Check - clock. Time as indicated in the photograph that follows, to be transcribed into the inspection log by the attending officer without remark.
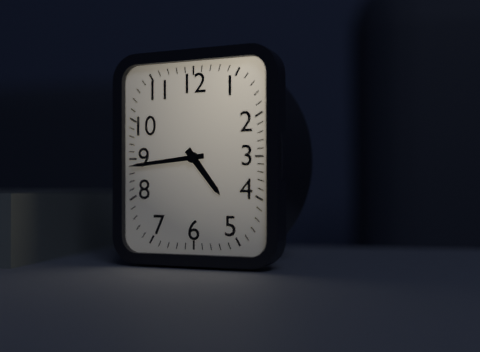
4:44
